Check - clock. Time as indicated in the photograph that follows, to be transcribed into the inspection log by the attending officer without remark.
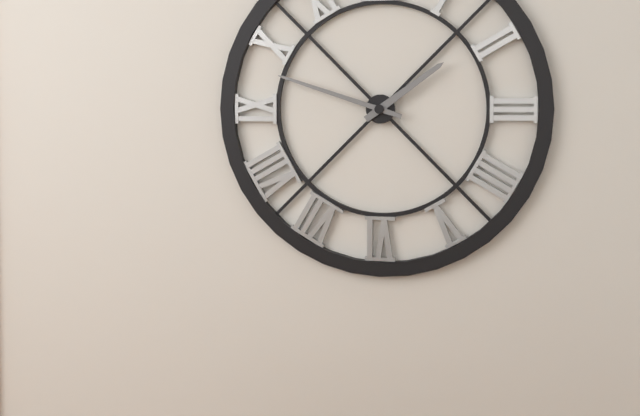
1:48
